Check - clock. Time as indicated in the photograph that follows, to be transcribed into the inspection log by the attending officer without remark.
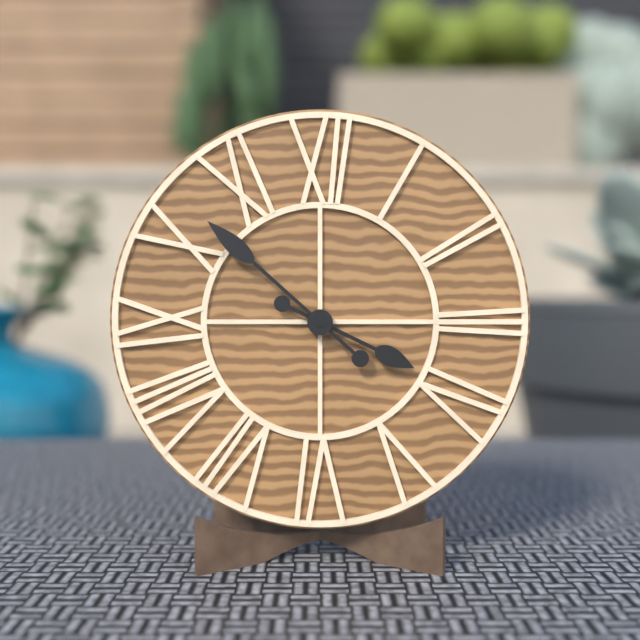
3:52
